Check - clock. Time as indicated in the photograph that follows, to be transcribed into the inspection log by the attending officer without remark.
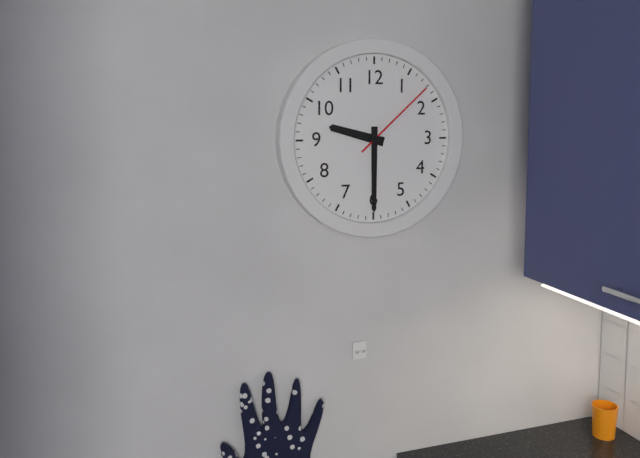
9:30:08
